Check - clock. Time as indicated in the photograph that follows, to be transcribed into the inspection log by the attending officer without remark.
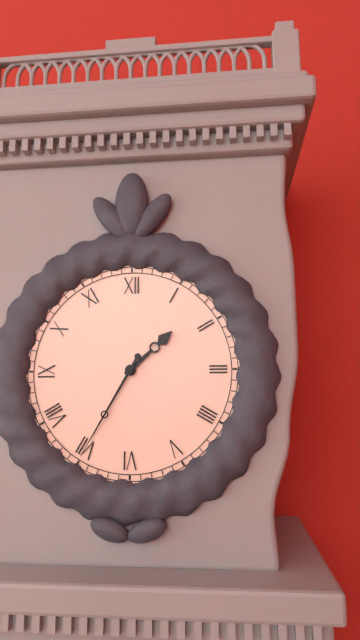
1:35
